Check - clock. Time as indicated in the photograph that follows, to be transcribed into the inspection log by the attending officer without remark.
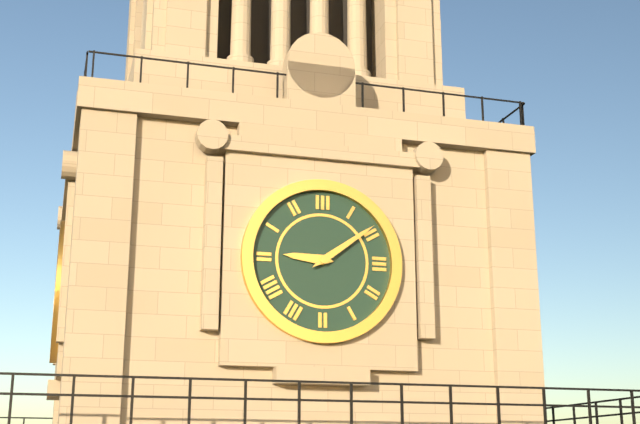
9:09
